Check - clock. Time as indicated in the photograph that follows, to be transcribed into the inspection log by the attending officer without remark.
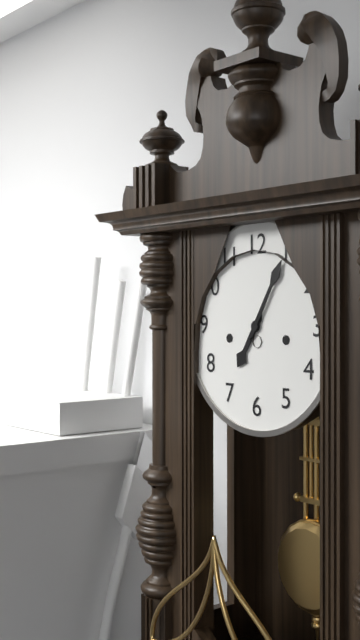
7:05
